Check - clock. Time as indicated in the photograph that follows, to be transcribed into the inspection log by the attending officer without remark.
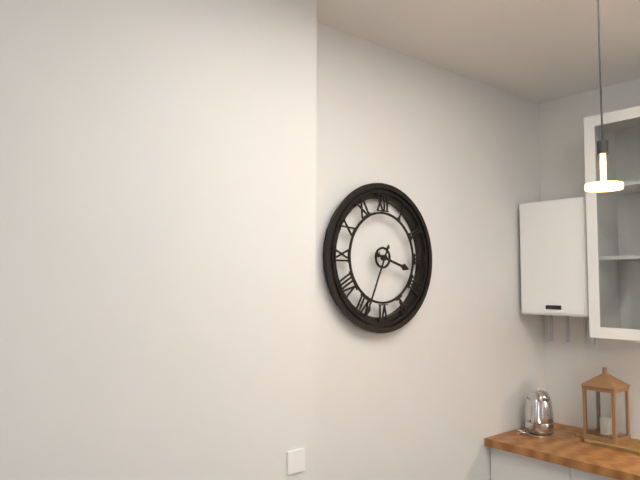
3:34
